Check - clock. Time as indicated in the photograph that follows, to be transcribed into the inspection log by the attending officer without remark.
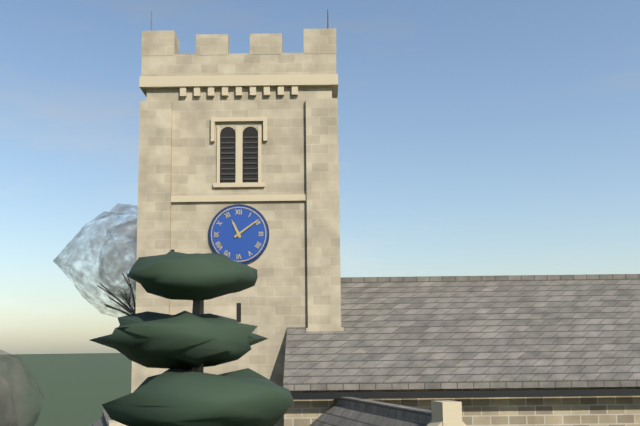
11:09
